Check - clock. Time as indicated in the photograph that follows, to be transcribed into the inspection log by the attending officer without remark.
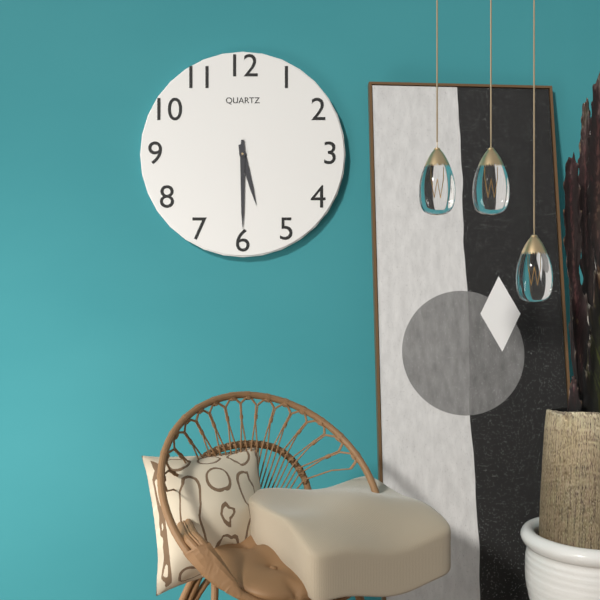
5:30
